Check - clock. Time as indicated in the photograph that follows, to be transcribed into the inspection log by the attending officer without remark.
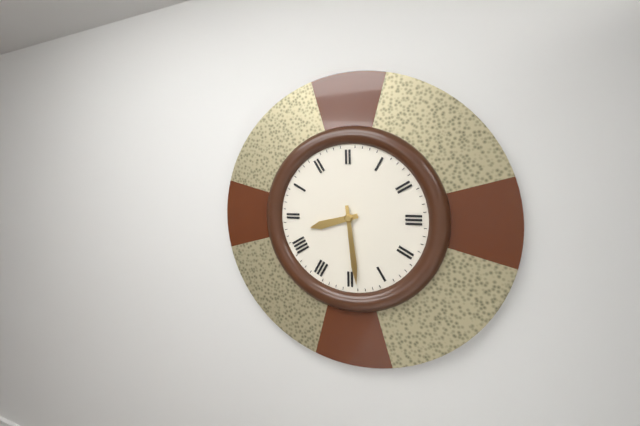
8:29
